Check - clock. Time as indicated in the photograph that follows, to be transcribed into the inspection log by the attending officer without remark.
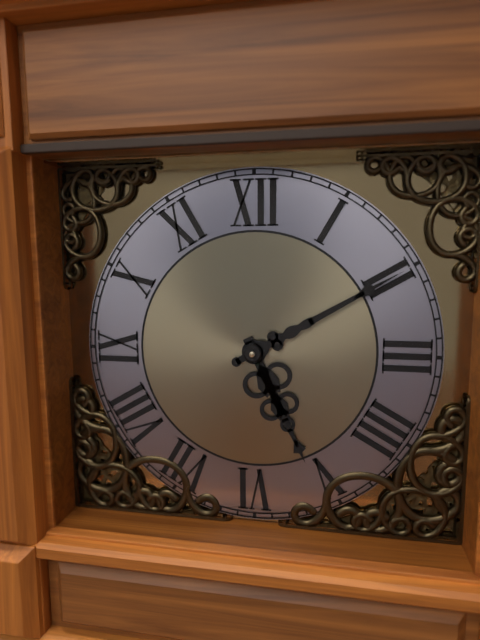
5:10
